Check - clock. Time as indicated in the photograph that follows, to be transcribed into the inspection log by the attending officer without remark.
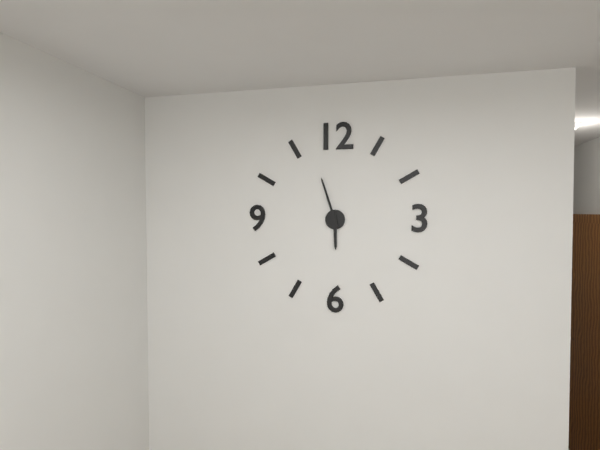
5:57
